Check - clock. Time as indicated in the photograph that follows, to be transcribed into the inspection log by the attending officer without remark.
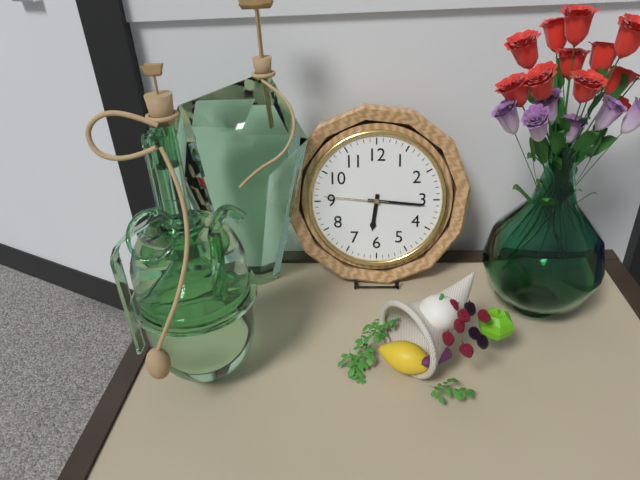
6:16:46
